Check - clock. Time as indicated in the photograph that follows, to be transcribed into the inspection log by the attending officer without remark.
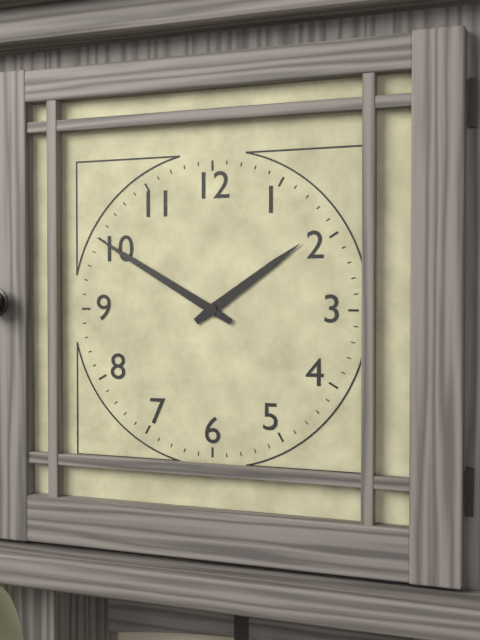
1:50
